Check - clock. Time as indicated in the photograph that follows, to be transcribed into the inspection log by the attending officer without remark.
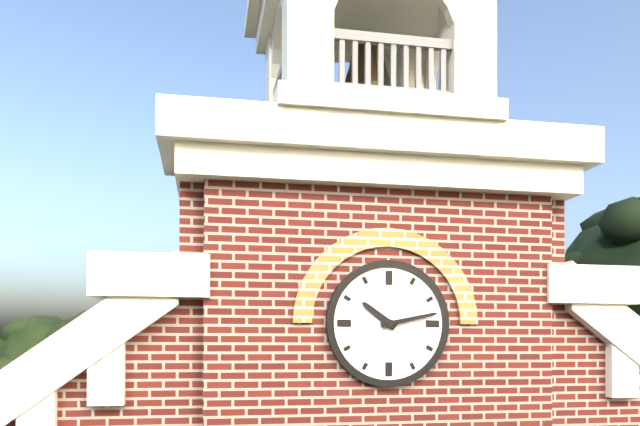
10:13
